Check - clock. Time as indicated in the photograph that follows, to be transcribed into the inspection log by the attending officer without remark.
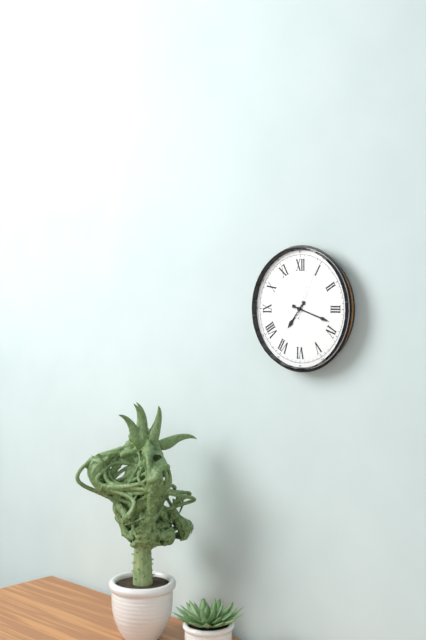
7:18:04
